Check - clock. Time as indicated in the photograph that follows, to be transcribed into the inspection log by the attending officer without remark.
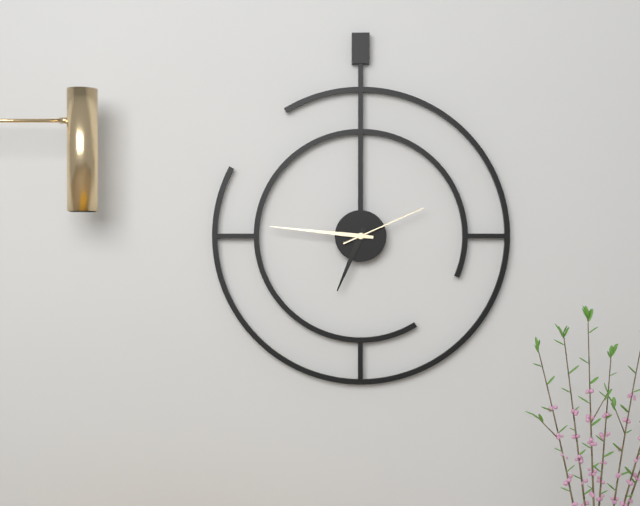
6:46:11
